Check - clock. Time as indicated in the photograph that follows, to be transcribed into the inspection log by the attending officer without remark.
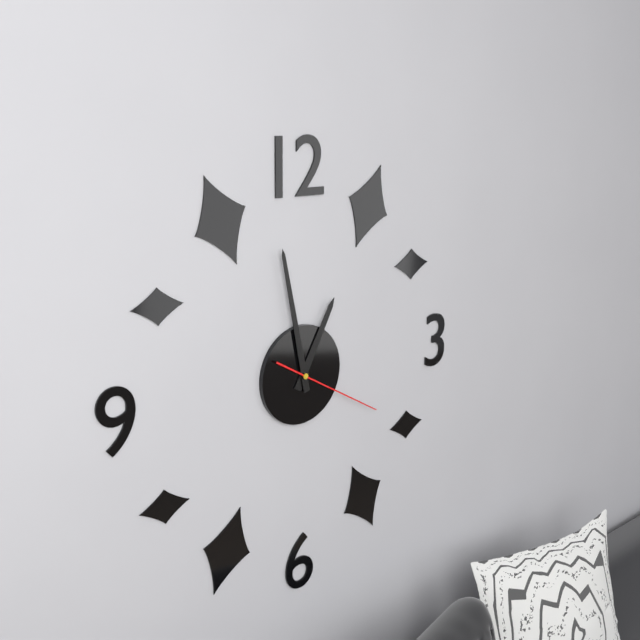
12:58:20
